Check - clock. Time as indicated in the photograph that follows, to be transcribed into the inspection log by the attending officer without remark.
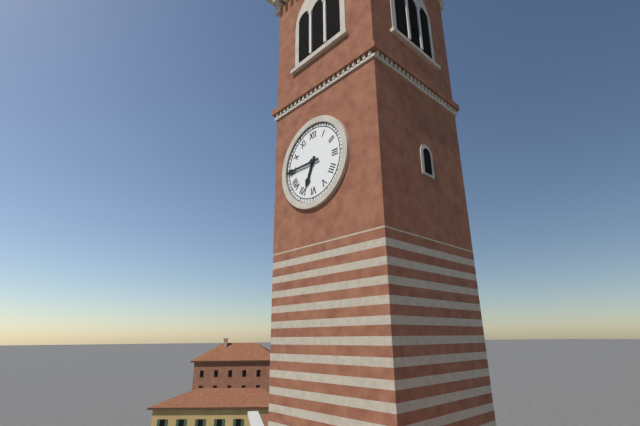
6:45
